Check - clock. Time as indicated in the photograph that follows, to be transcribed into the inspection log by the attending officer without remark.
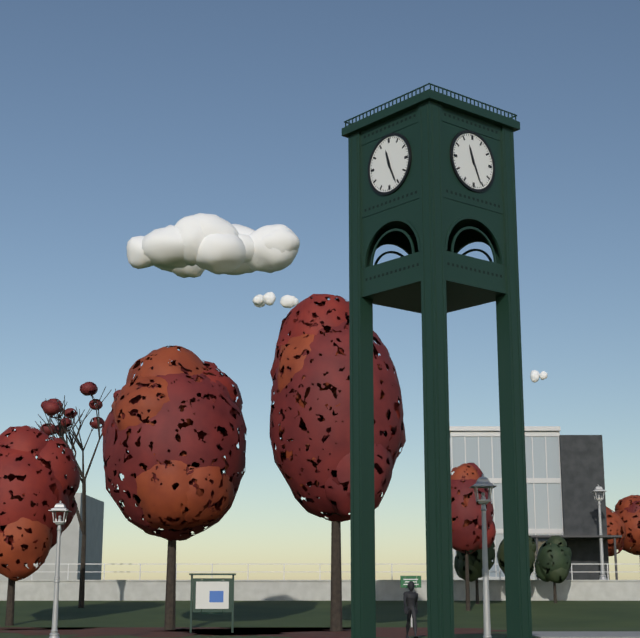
11:26
